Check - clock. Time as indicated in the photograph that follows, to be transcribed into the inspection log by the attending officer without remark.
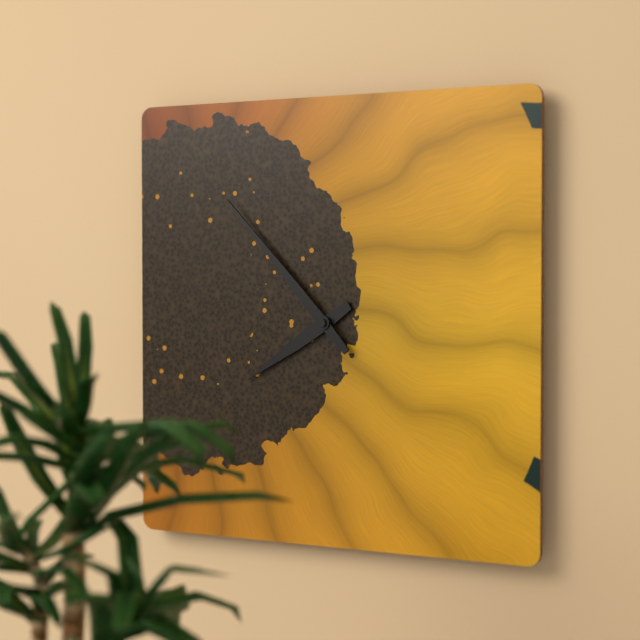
7:53
